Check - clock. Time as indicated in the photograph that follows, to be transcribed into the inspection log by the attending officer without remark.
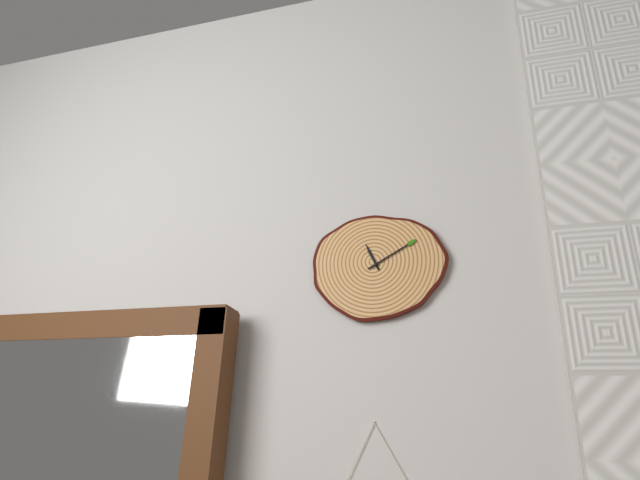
11:10
